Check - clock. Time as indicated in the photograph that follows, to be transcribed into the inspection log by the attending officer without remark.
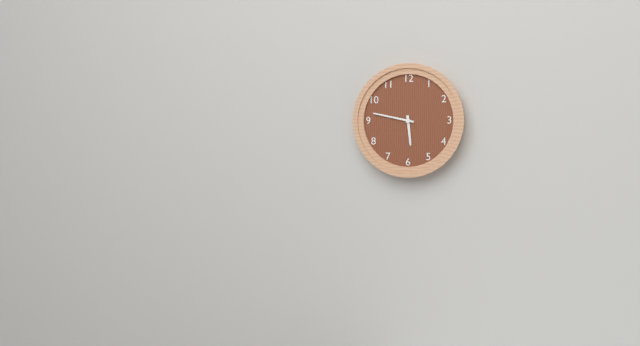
5:47
